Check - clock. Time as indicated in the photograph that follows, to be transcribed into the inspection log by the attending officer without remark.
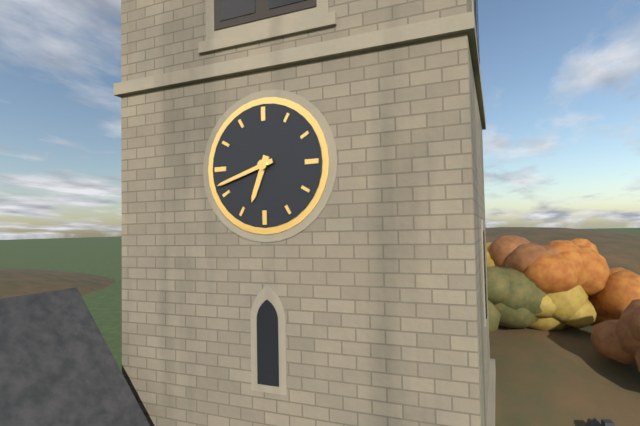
6:42
